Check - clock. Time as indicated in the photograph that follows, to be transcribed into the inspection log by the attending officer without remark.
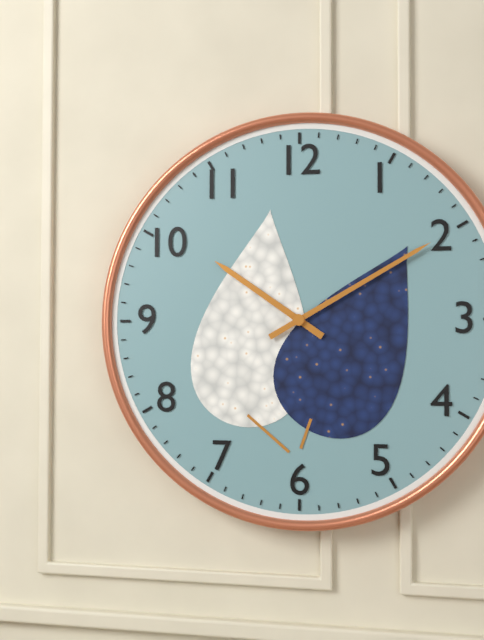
10:10
